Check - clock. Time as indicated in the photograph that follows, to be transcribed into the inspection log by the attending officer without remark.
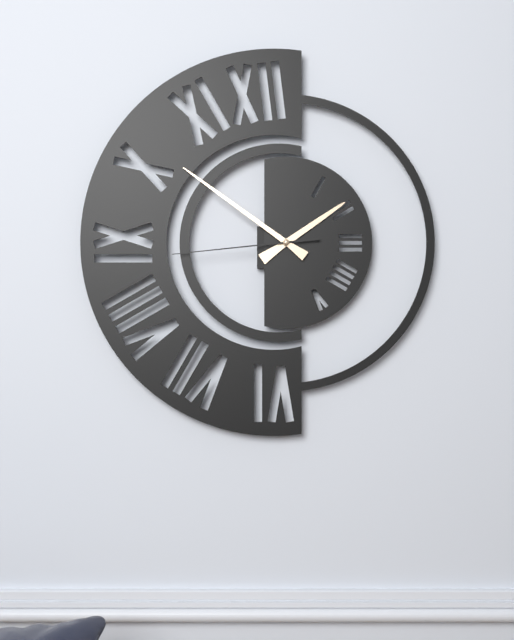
1:51:44
